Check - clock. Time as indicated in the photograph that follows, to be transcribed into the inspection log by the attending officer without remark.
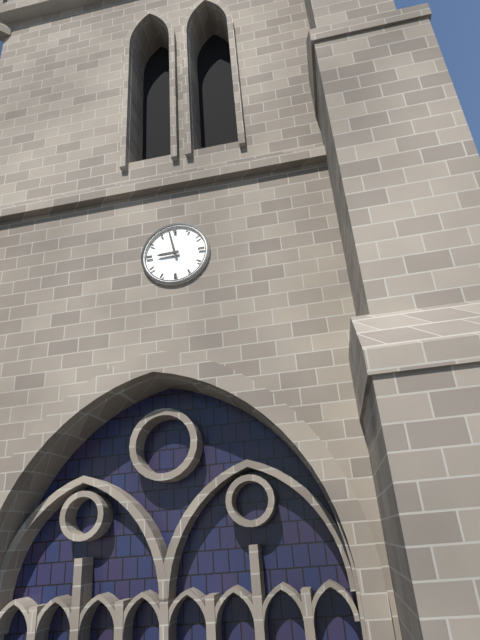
8:58
